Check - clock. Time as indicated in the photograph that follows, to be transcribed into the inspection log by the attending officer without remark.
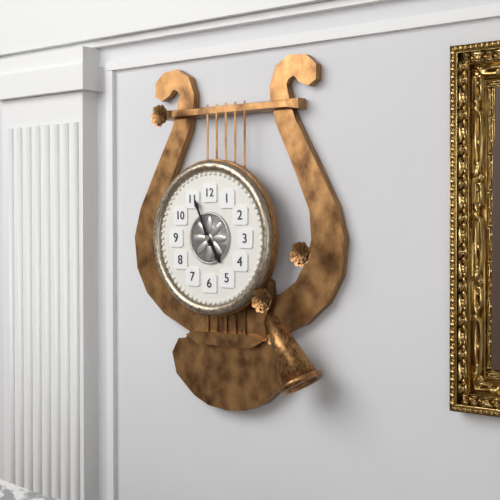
4:56
